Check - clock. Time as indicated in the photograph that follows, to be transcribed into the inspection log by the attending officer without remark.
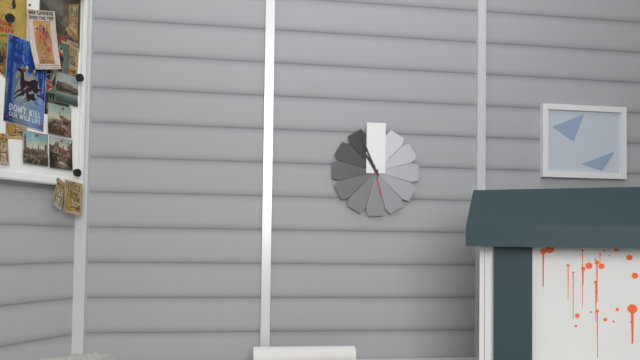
10:56
